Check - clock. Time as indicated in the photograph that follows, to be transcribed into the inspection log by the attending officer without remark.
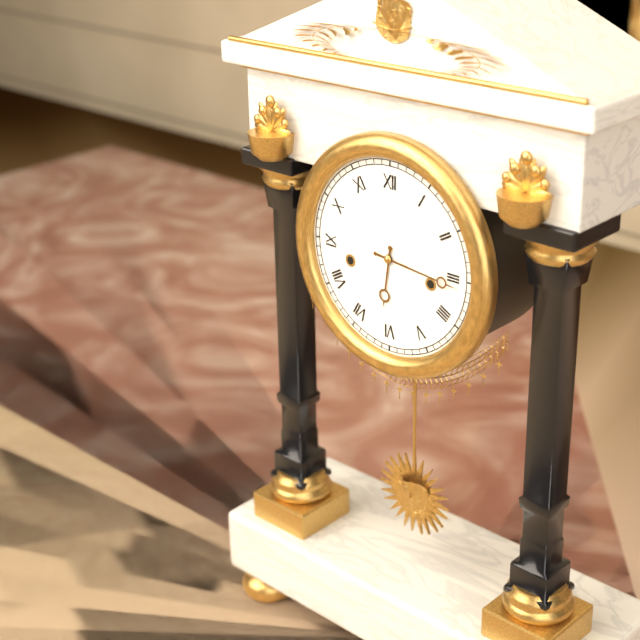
6:16
